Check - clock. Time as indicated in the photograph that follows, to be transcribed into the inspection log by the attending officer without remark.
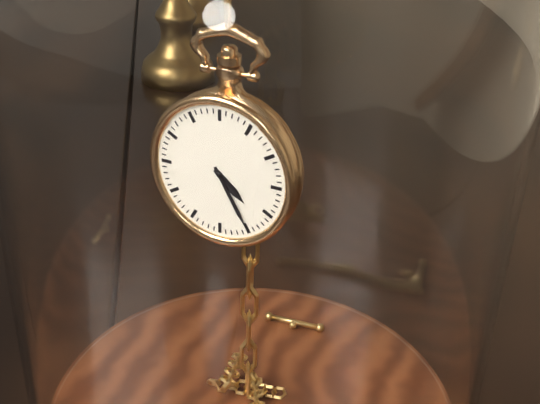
4:25
